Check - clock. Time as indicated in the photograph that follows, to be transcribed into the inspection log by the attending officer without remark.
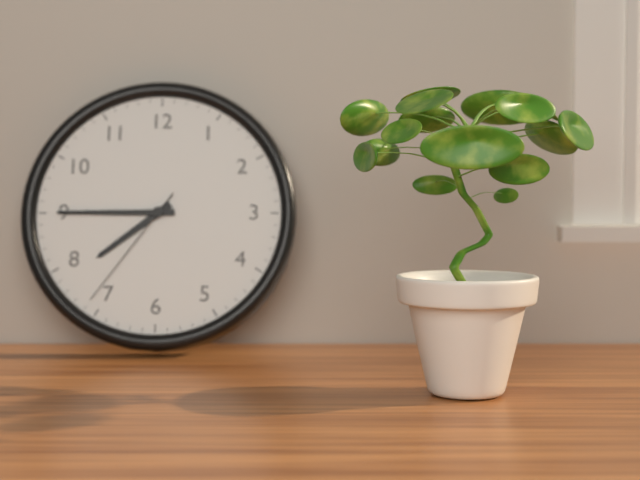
7:45:36
